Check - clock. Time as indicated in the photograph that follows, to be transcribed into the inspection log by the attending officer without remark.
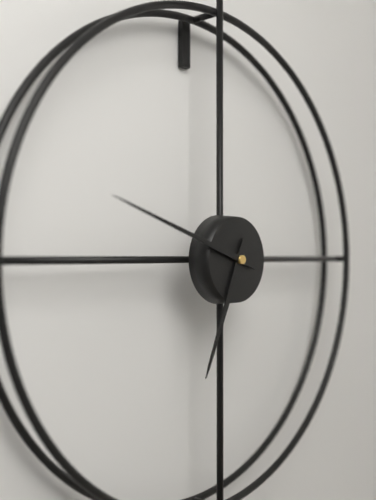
6:48
